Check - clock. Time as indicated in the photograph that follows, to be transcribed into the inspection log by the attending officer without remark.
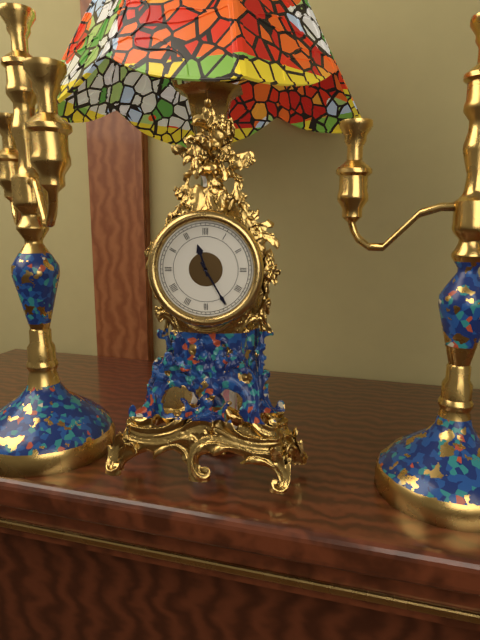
11:25
